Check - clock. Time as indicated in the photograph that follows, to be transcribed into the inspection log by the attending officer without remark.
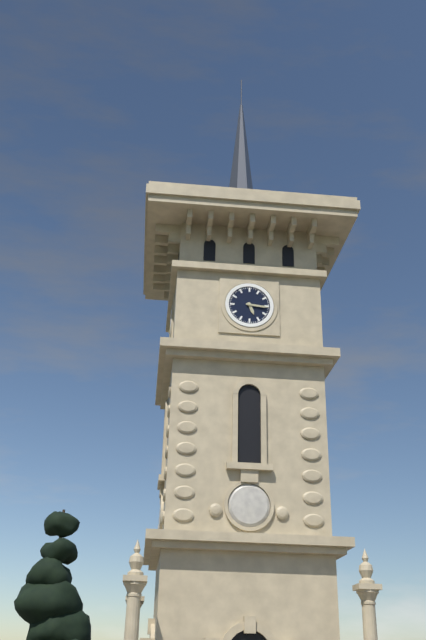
5:16
